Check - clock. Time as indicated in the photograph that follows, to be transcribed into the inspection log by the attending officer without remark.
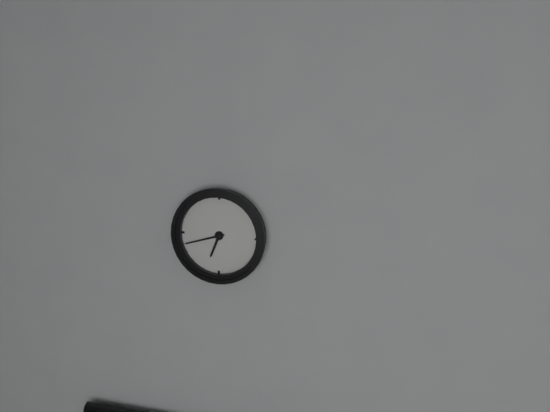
6:42
